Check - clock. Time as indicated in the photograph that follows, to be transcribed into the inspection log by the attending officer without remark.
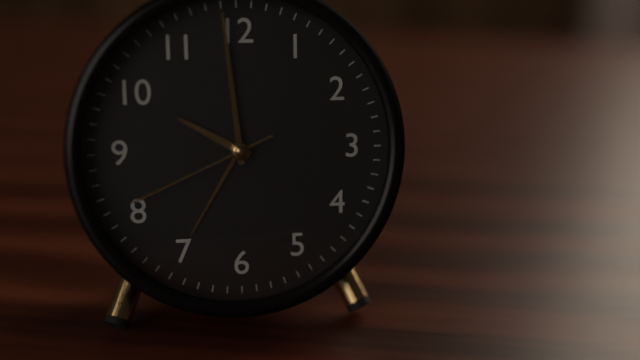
9:59:41
